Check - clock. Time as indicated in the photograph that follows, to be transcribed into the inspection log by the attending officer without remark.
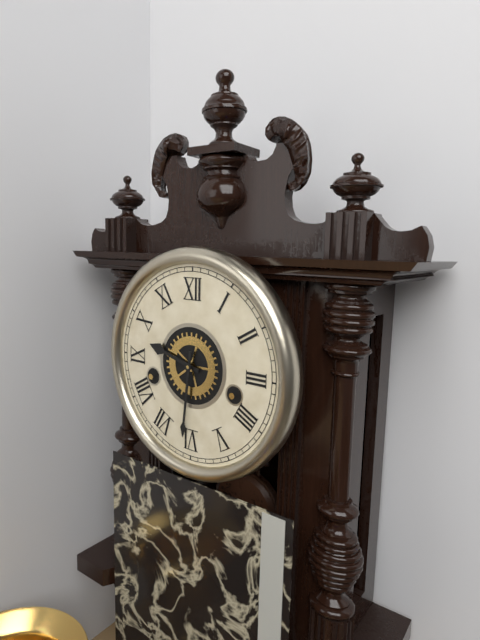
9:31
